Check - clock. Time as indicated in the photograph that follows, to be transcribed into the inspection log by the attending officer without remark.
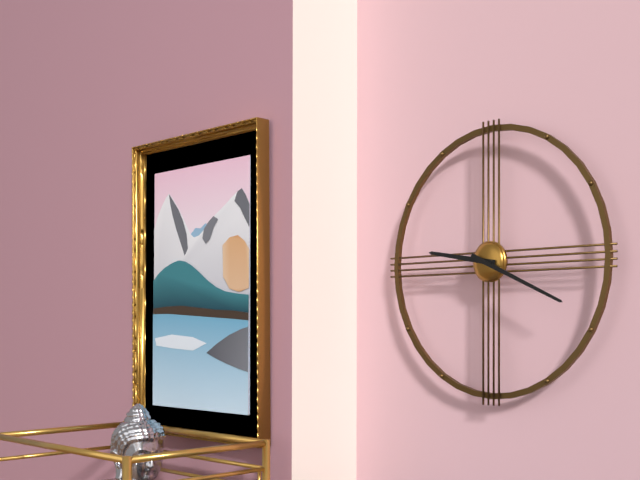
9:19
